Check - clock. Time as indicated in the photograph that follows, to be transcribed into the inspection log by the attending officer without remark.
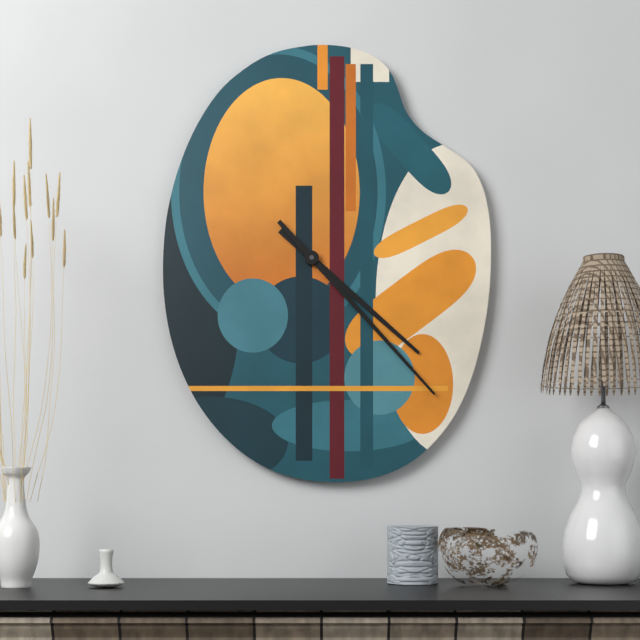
4:23
